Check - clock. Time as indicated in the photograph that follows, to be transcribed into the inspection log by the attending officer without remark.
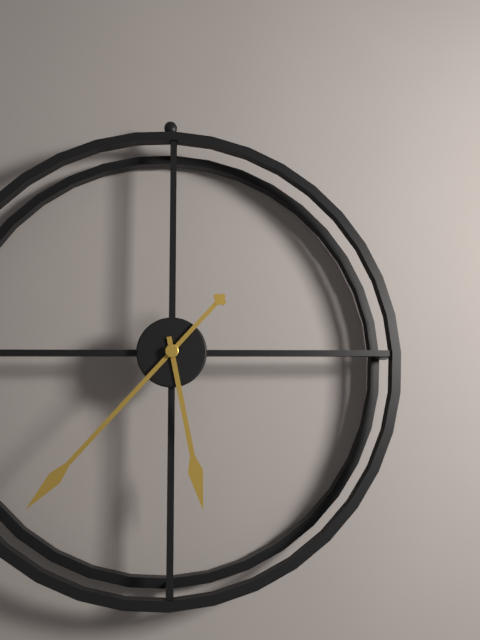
5:37
